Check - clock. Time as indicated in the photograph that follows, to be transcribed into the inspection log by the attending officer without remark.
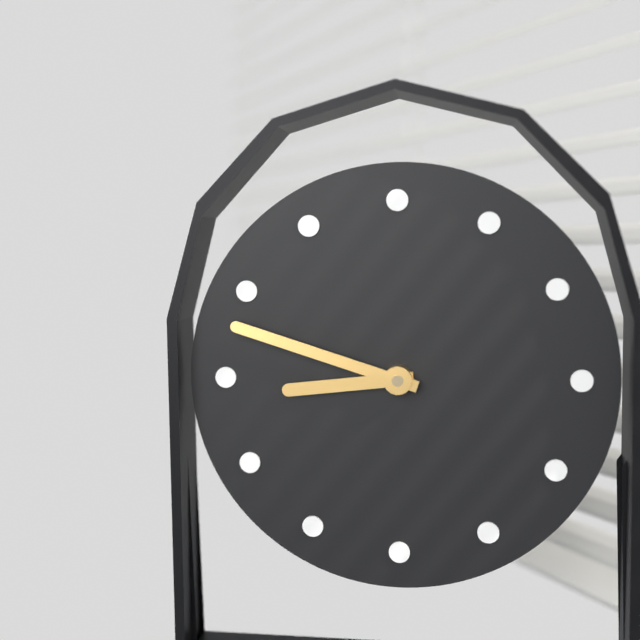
8:48
